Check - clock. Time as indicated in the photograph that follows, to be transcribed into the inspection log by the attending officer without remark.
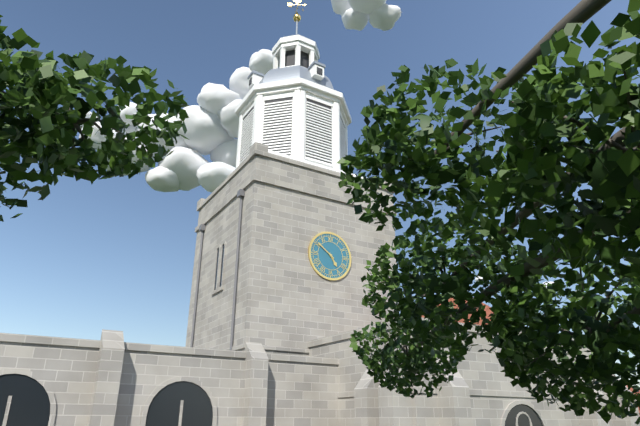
4:51
